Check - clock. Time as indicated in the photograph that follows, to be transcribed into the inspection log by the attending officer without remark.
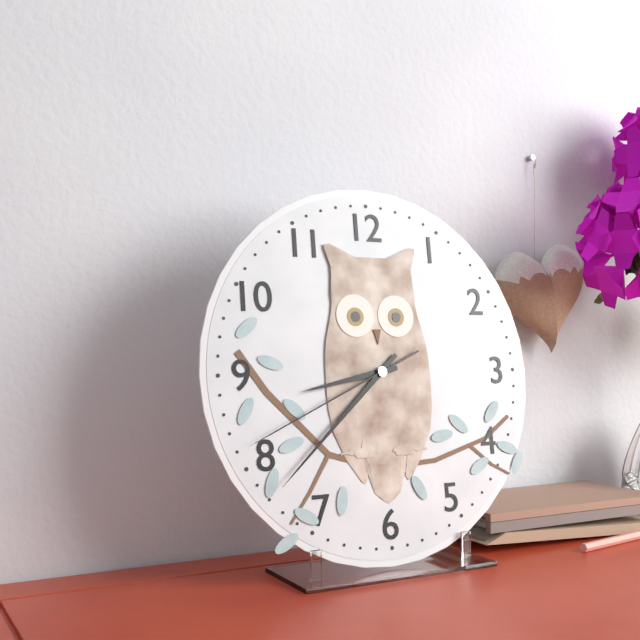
8:38:41
